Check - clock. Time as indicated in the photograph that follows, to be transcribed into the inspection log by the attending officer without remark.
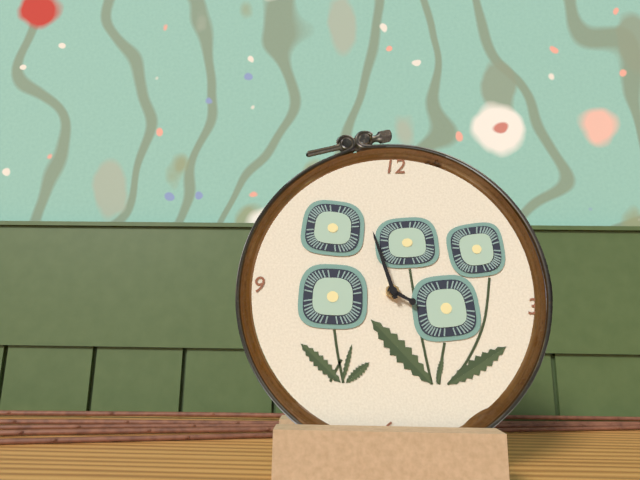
3:57
